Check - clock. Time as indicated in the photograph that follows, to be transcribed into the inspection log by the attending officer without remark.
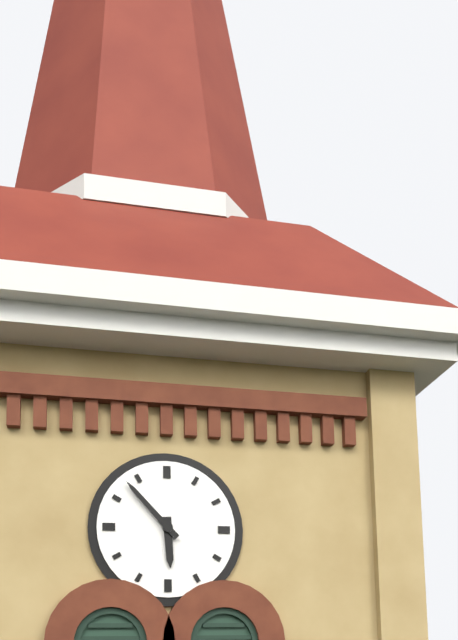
5:53
